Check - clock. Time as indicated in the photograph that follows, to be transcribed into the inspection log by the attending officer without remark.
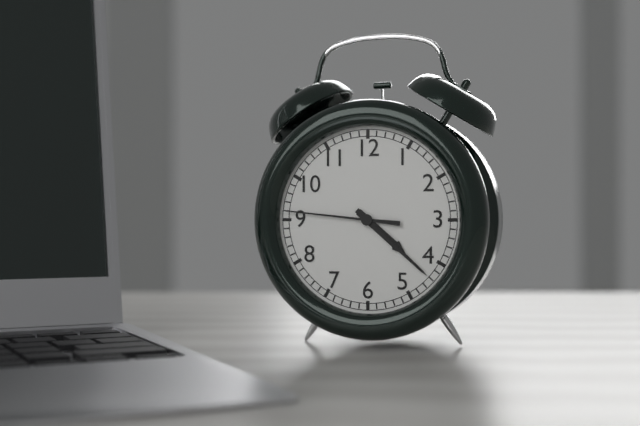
4:22:46
